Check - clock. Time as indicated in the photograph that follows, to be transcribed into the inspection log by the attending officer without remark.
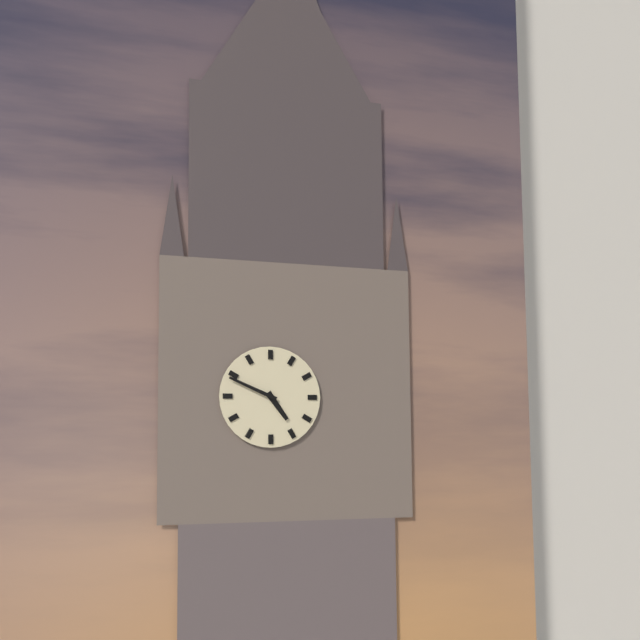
4:49
